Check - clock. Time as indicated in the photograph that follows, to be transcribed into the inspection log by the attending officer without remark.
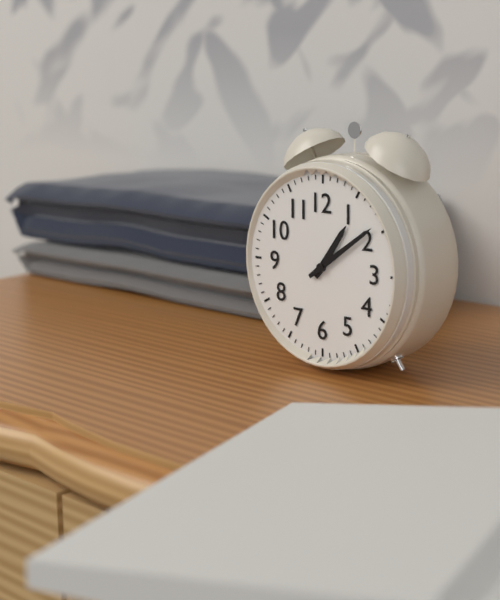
1:09
